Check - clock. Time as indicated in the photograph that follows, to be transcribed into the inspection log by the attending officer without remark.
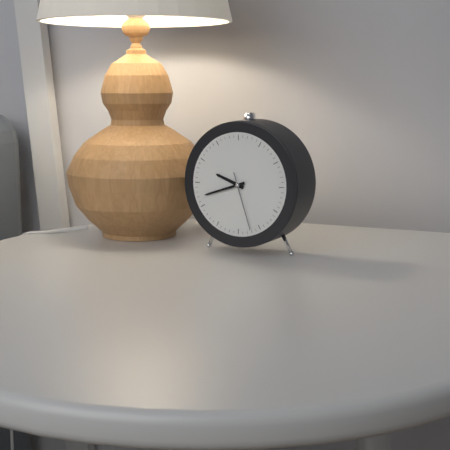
9:42:27
